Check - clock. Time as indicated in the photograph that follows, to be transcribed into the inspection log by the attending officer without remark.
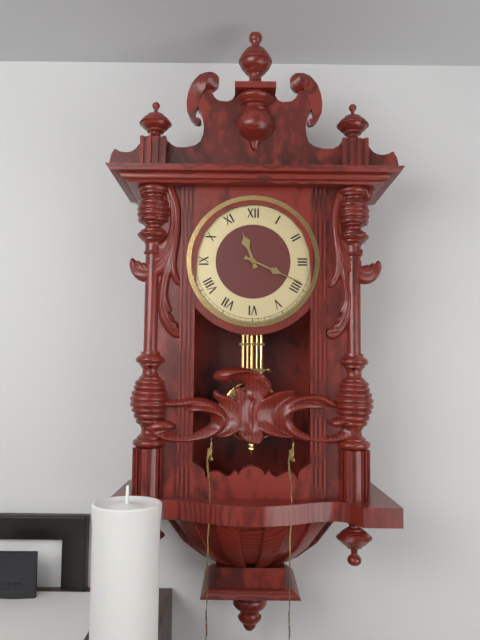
11:19
